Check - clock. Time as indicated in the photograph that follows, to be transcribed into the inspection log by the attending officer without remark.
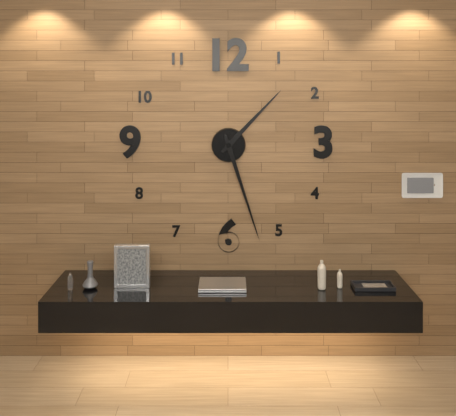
1:27
